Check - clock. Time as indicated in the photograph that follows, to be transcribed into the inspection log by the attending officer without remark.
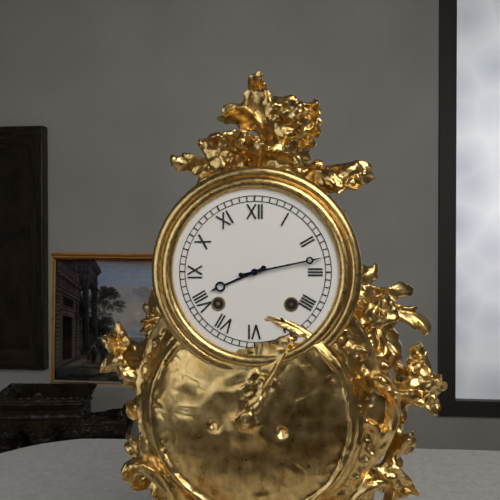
8:13
